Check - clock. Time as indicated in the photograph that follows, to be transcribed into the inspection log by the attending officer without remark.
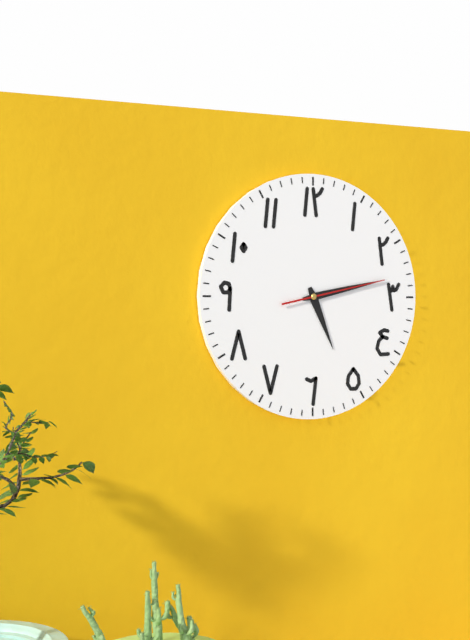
5:13:13
